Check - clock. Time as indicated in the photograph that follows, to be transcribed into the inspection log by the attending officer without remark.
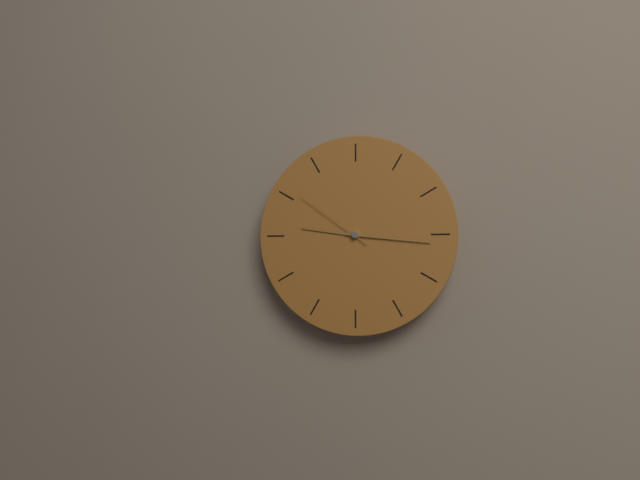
9:16:51
